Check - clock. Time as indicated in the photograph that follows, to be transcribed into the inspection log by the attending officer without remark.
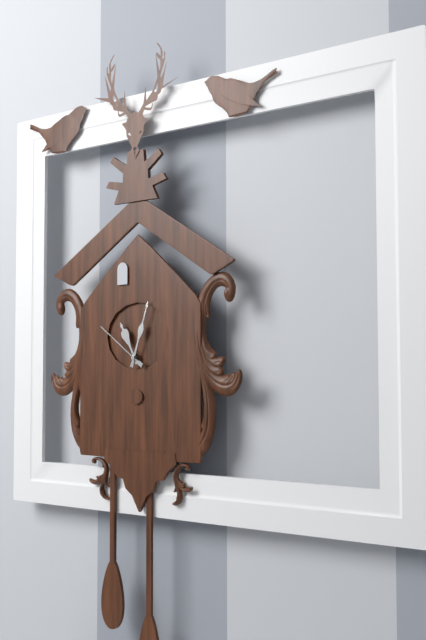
11:03:51
